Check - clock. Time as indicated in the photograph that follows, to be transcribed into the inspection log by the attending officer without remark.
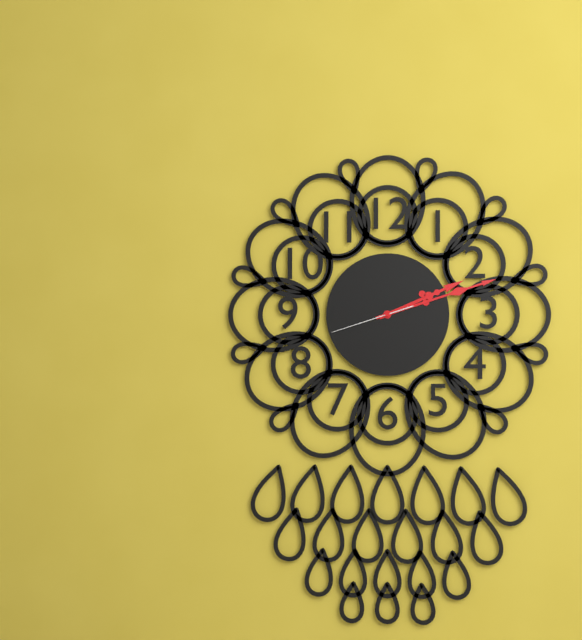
2:12:42
